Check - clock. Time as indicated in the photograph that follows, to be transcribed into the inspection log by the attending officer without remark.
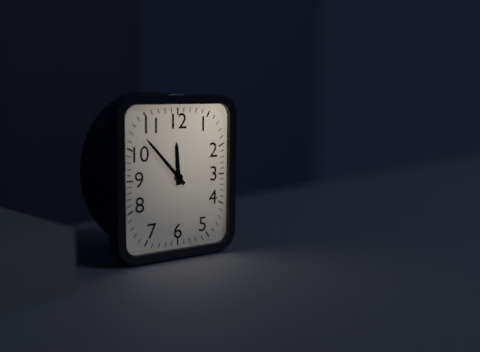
11:53
